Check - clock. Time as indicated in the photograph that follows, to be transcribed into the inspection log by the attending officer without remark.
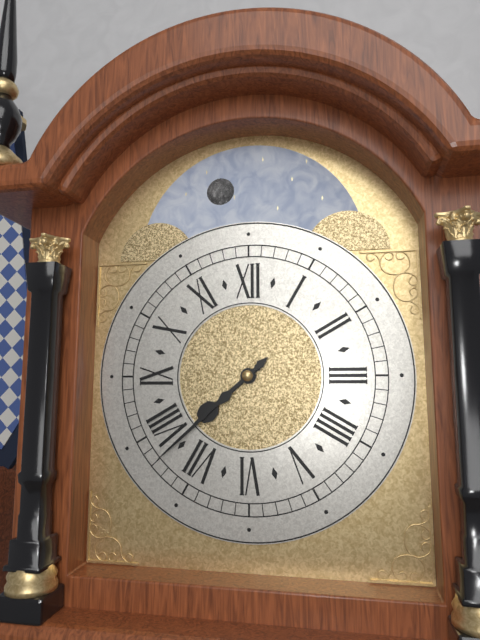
7:38
